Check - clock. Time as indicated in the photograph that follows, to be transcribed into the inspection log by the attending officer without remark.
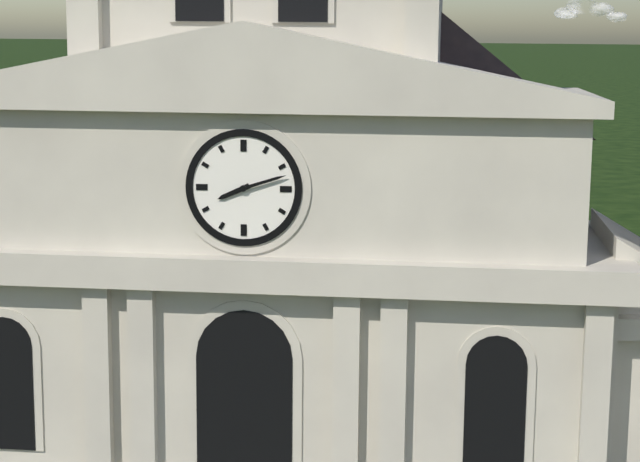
8:12
